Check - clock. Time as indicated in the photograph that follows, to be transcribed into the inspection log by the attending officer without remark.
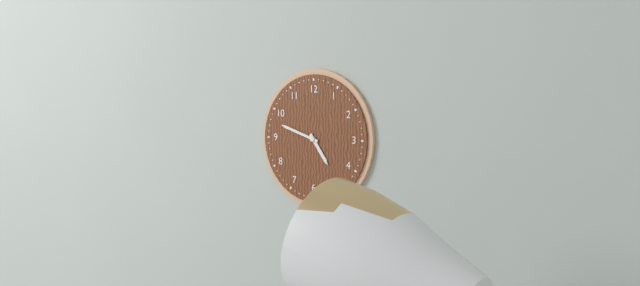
4:48
